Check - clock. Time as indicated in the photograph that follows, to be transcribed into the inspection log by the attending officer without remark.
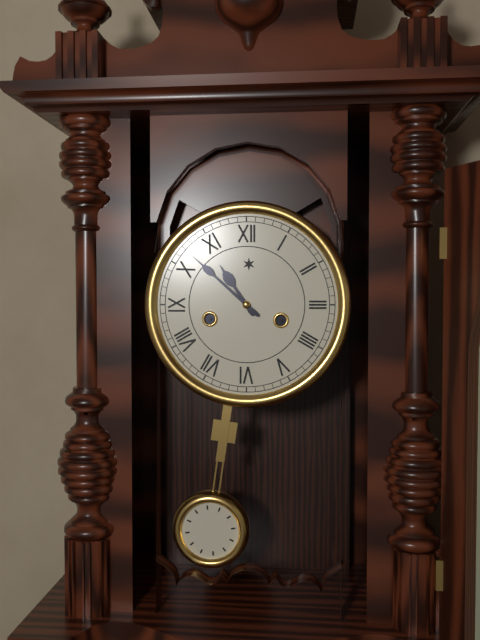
10:52
